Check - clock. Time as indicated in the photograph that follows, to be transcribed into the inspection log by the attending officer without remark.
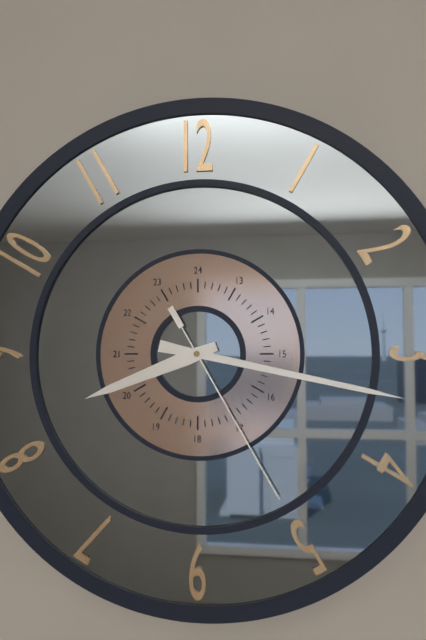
8:17:25
